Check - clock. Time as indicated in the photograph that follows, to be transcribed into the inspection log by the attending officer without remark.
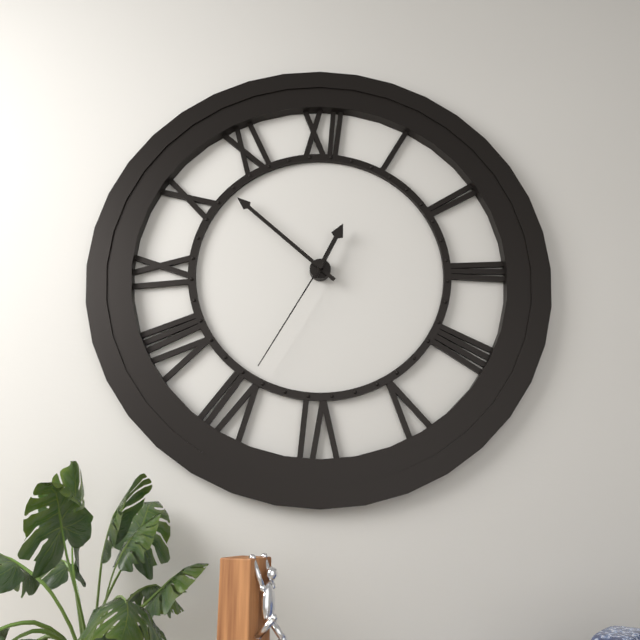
12:52:35
